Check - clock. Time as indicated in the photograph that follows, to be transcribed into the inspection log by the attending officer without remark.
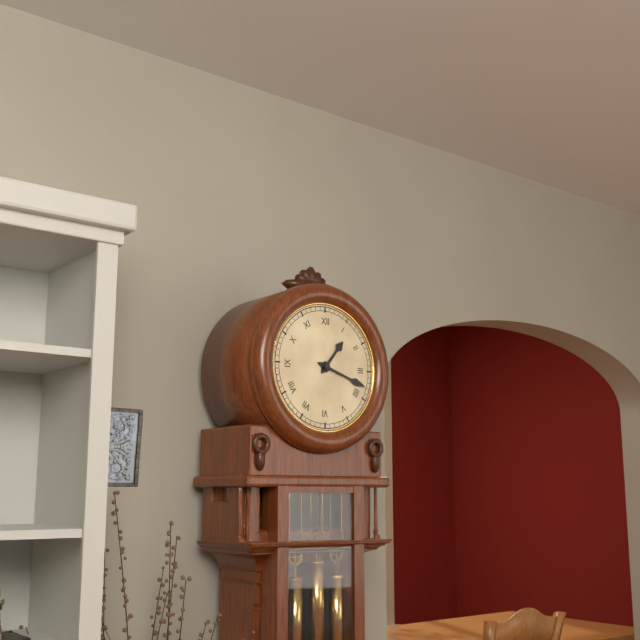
1:18
